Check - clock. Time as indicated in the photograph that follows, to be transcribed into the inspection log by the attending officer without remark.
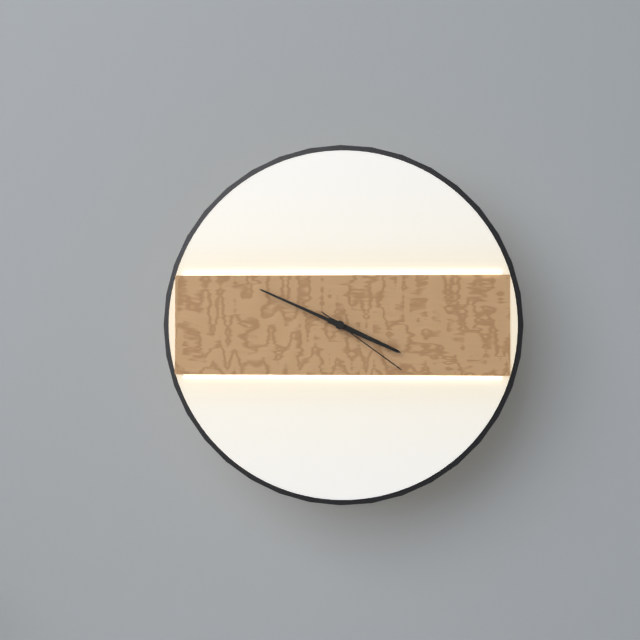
3:49:21
